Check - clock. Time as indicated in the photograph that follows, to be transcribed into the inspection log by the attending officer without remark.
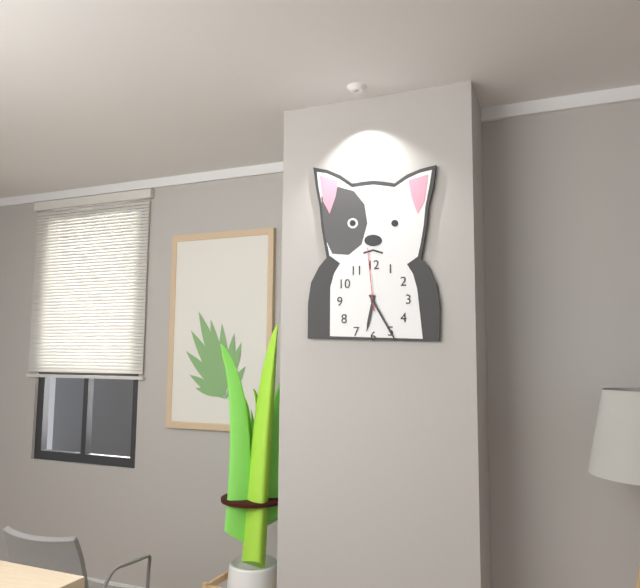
6:25:59
